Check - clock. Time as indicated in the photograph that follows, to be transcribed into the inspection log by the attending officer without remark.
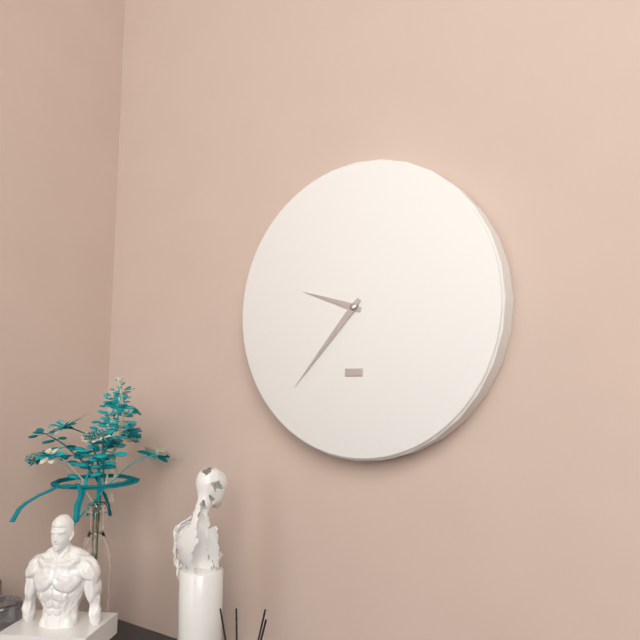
9:37
